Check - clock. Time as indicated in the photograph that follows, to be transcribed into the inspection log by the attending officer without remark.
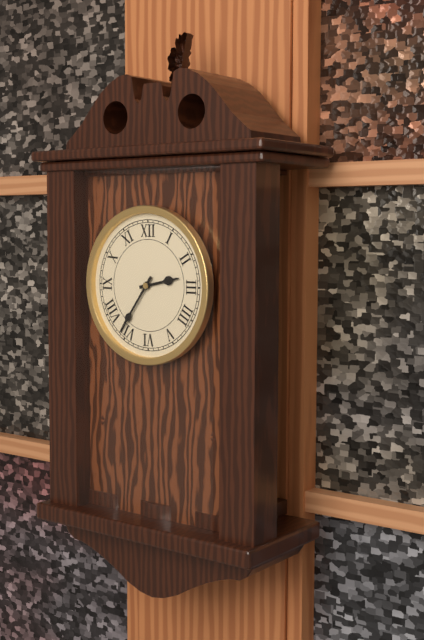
2:36
